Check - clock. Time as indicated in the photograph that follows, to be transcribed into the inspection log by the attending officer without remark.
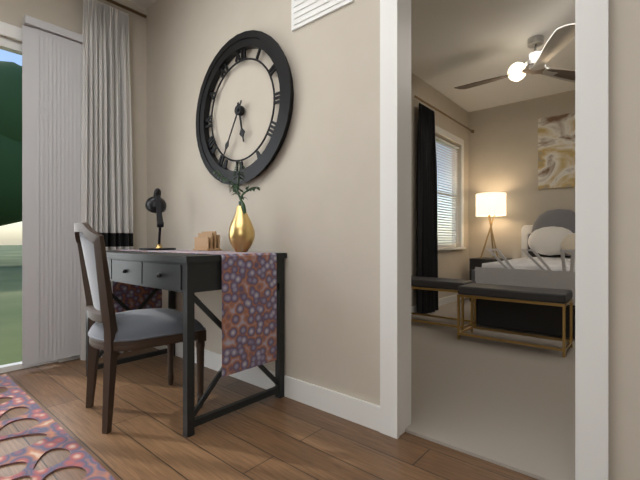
5:35
